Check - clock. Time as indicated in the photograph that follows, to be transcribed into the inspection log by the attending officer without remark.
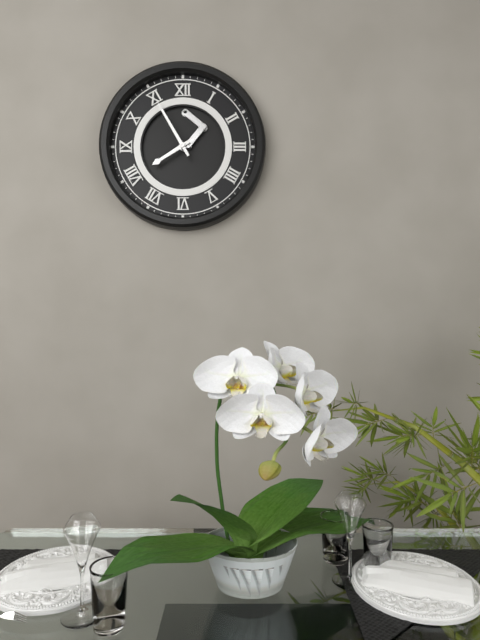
7:55
